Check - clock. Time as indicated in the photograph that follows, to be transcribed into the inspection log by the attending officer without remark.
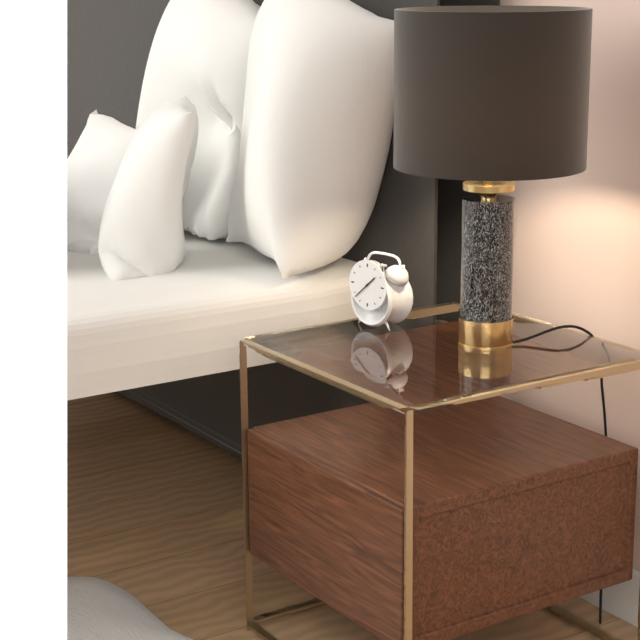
1:38
